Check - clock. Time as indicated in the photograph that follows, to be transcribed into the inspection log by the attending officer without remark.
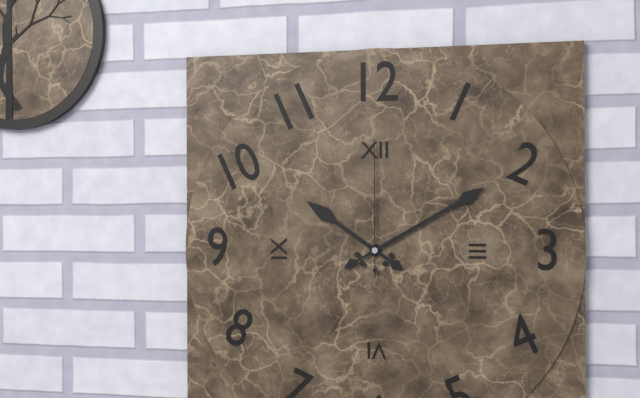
10:10:00
